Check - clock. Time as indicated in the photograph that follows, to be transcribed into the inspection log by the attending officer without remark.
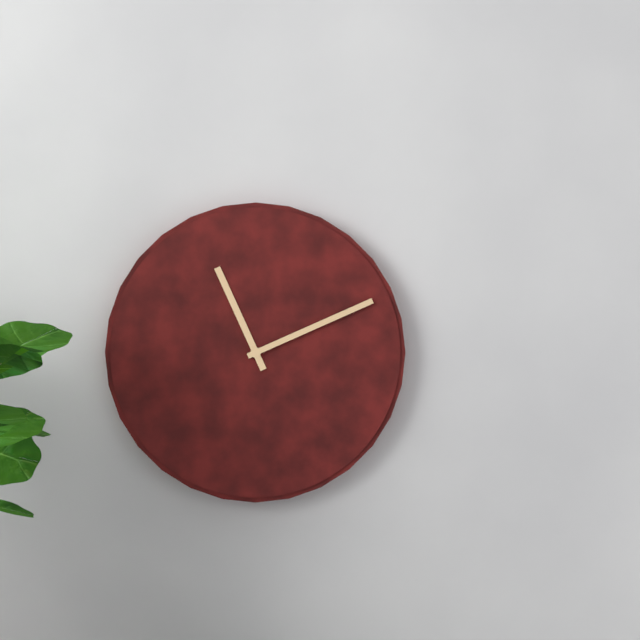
11:11
